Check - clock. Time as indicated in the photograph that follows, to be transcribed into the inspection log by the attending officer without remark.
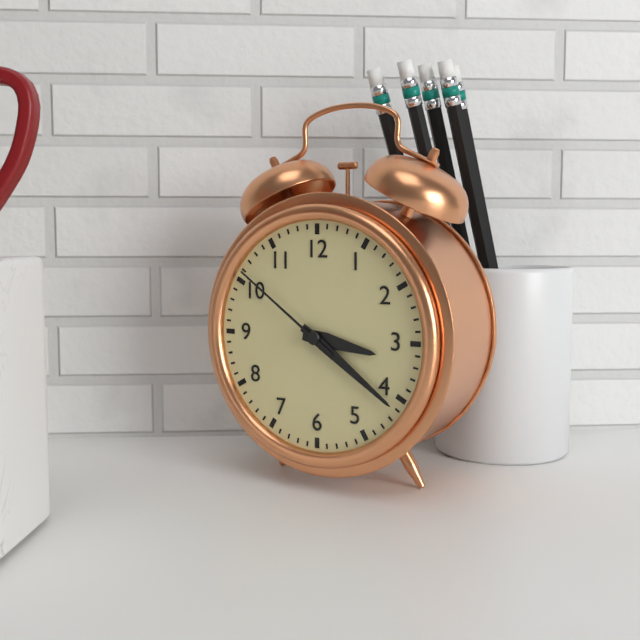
3:21:51
